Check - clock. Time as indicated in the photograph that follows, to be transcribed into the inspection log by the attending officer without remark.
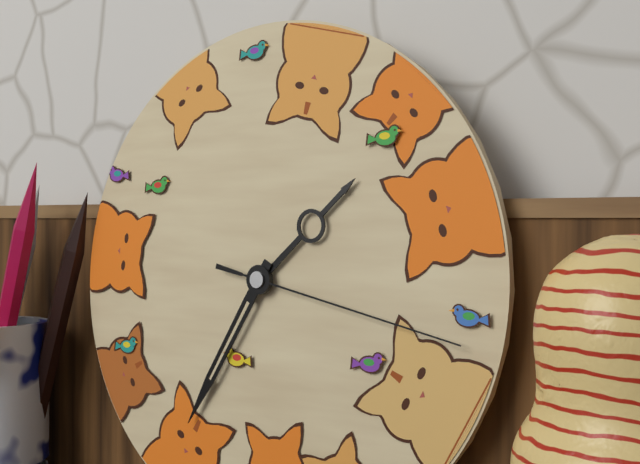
1:35:17
